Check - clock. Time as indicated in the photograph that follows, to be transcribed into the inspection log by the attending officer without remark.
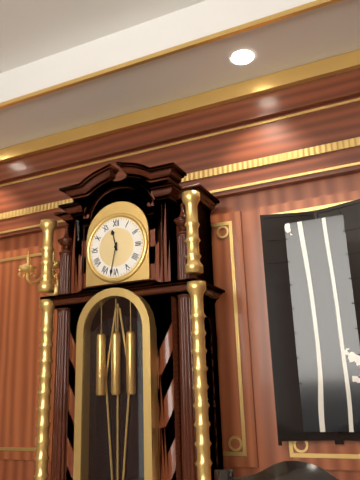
11:32
